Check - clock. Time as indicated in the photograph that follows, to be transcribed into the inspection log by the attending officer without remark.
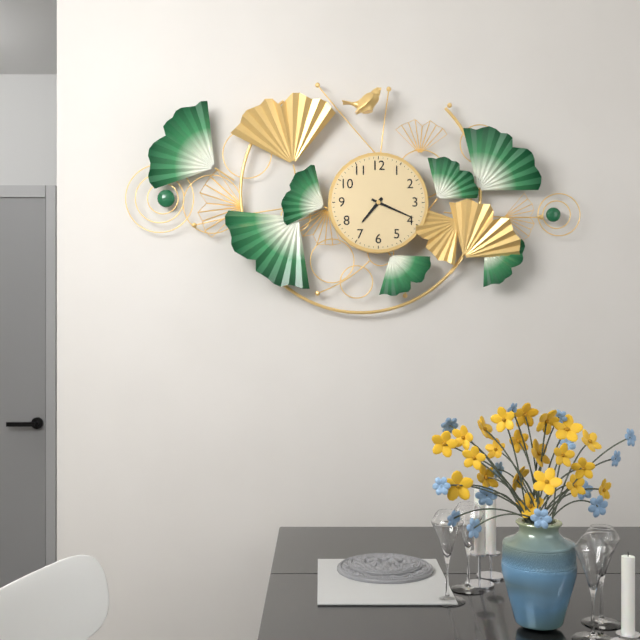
7:19
